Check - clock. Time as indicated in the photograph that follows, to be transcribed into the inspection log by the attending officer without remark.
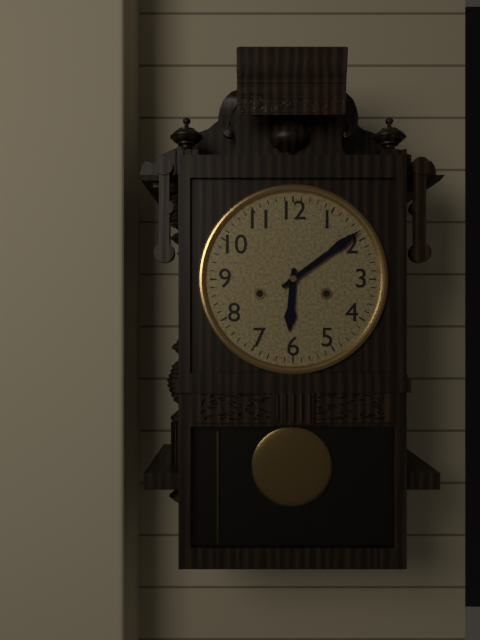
6:09
